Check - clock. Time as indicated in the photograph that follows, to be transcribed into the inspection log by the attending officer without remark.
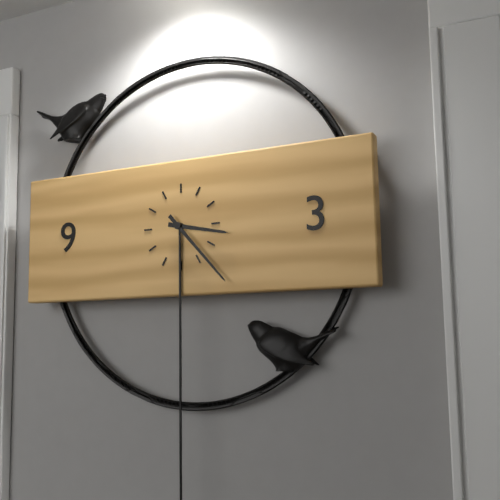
3:23
